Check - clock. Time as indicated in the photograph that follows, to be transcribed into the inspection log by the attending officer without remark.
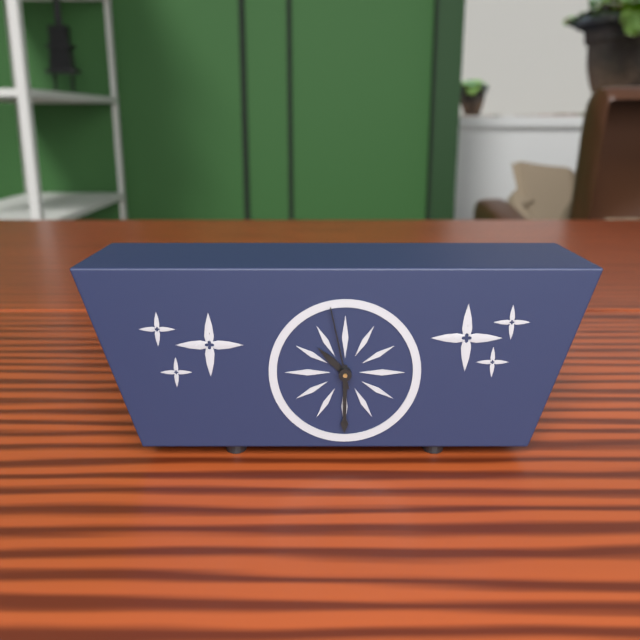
10:30:58
